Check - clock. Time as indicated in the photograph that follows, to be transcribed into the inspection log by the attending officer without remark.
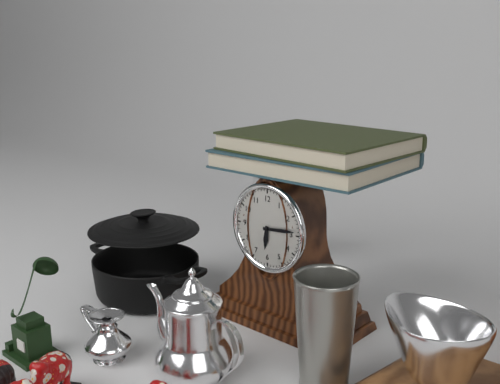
6:14
